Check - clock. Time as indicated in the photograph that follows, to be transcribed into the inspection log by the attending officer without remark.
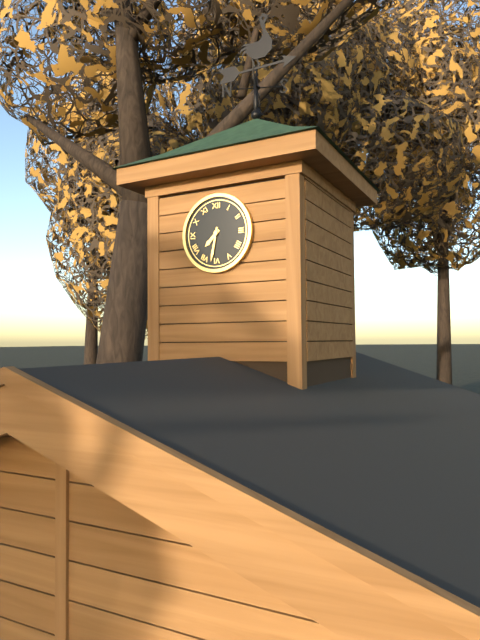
7:32
